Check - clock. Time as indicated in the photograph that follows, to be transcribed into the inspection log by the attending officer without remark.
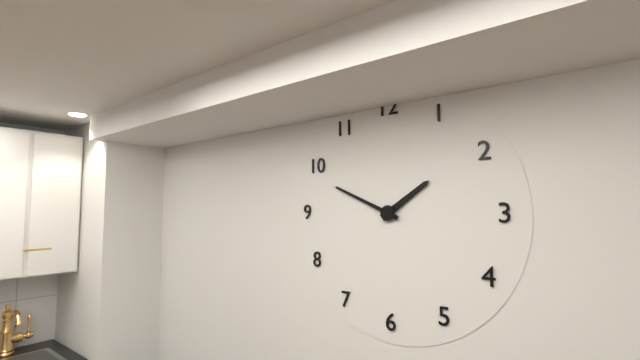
1:49
